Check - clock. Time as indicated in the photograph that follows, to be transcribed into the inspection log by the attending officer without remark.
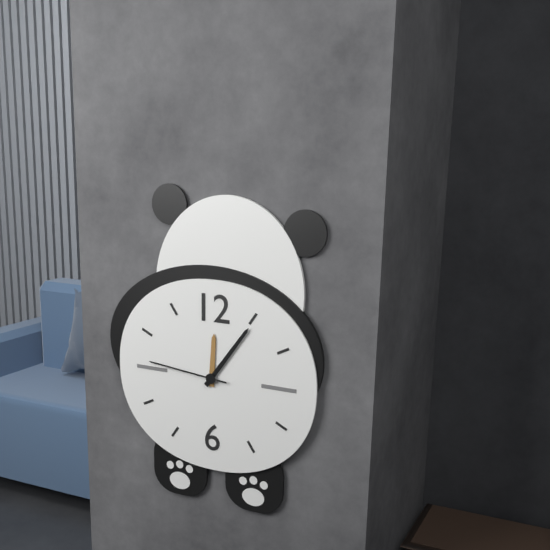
12:06:46
